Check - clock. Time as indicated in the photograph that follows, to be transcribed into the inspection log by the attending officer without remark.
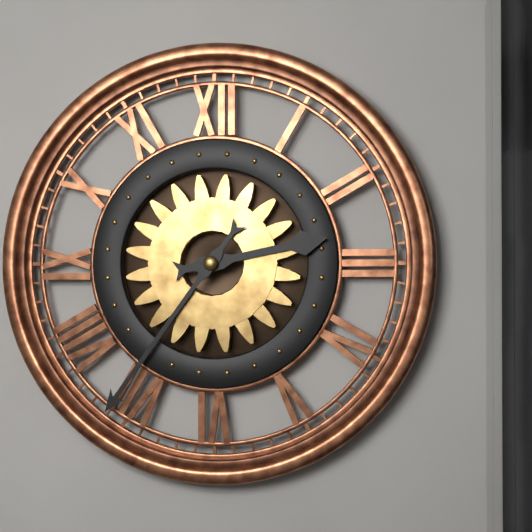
2:36
